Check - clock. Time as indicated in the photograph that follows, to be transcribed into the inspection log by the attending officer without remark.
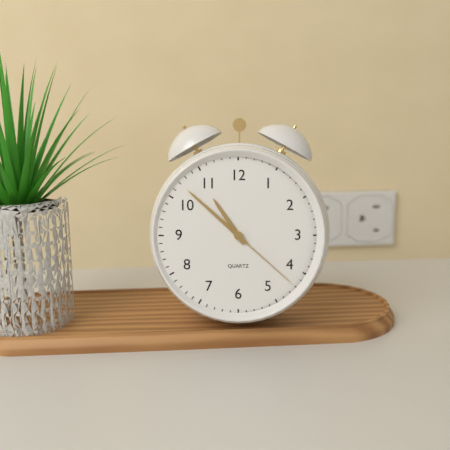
10:52:22
